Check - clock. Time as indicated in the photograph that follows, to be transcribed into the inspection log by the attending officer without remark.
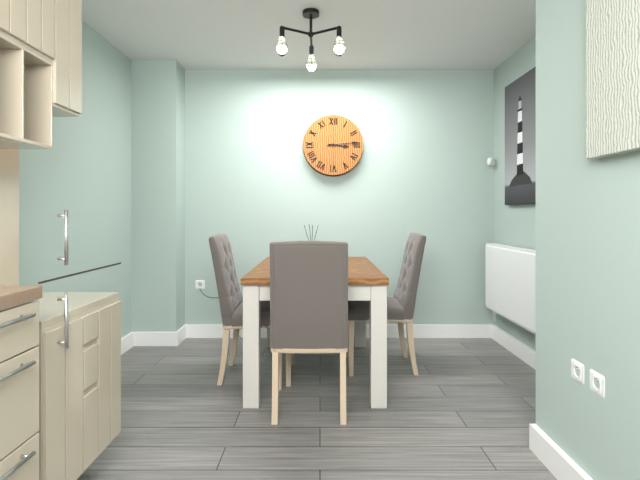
3:14
